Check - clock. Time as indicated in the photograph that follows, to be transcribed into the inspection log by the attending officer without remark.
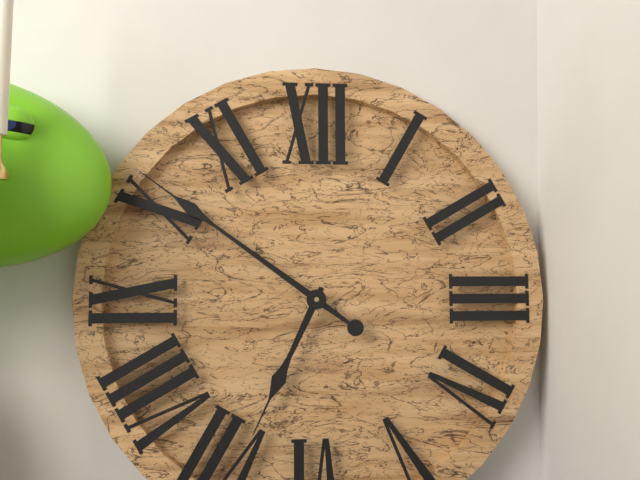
6:51
